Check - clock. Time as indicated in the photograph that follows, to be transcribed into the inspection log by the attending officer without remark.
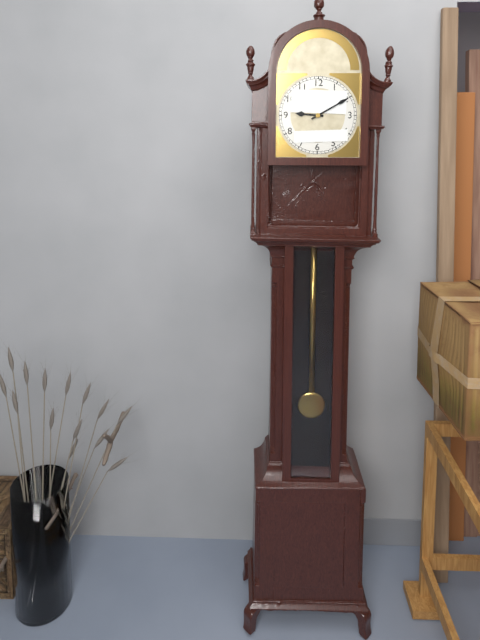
9:10
